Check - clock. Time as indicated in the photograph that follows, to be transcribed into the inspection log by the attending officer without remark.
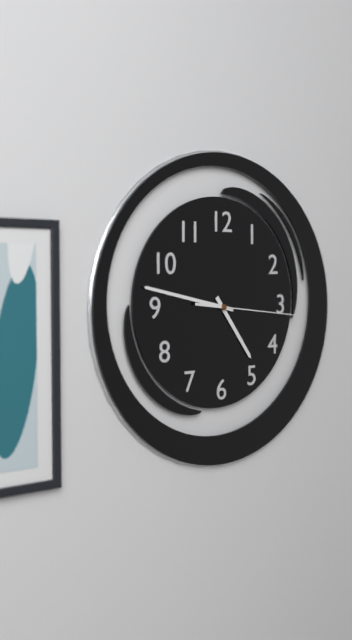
4:47:16
